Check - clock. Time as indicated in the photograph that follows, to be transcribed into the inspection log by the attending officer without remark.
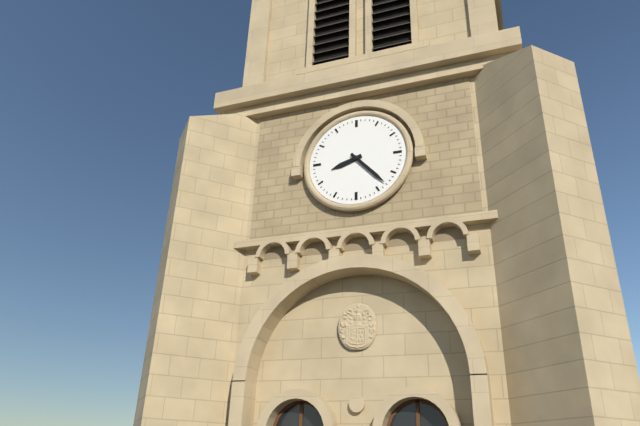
8:23
